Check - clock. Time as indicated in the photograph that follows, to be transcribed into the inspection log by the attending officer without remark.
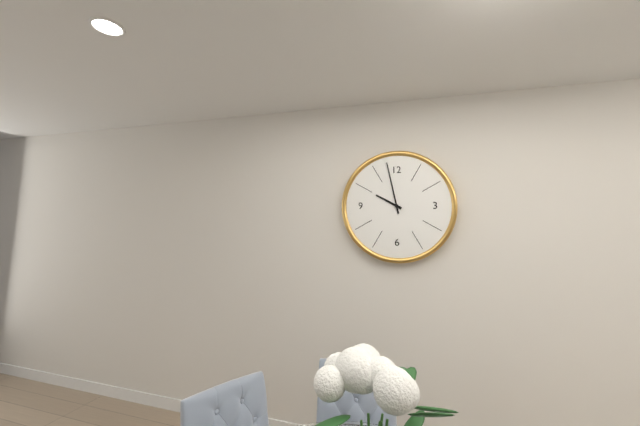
9:58
